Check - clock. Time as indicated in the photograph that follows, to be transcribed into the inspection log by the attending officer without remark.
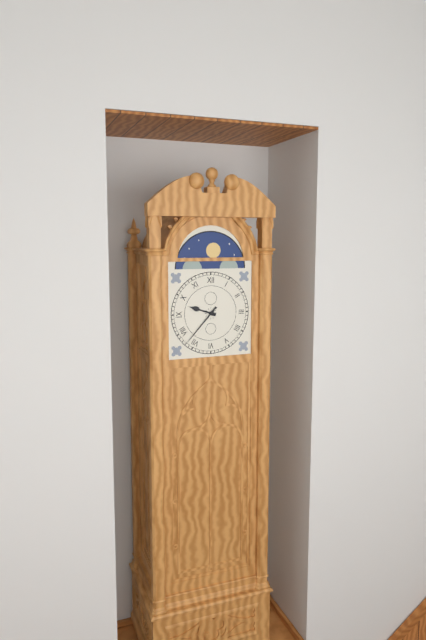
9:37
